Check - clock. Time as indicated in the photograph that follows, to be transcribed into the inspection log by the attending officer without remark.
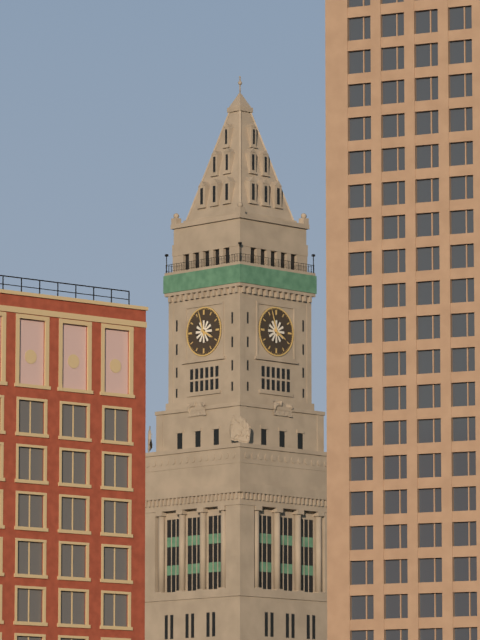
3:57
